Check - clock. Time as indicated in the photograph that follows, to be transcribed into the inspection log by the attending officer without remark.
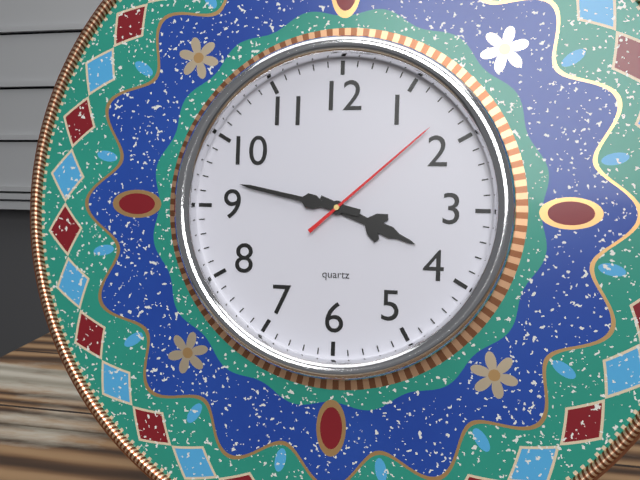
3:47:08
